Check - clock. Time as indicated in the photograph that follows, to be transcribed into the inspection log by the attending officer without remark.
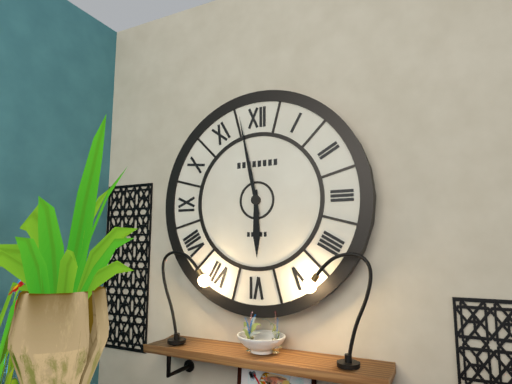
5:58
